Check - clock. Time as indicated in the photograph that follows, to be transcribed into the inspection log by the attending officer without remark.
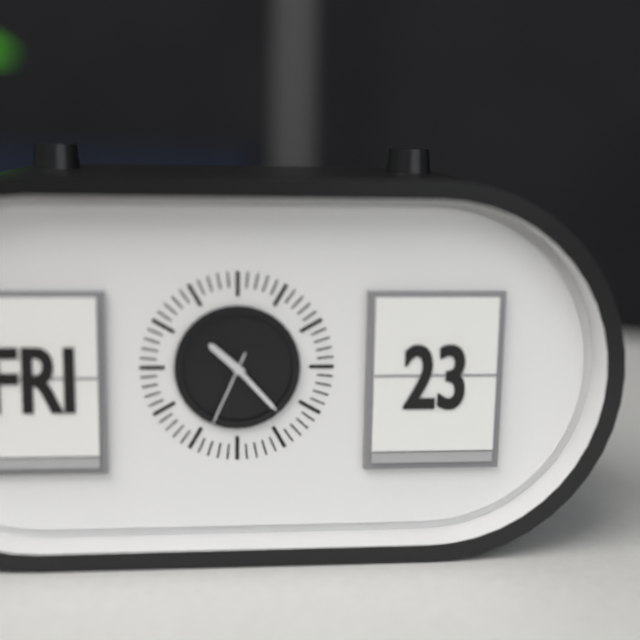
10:23:34
